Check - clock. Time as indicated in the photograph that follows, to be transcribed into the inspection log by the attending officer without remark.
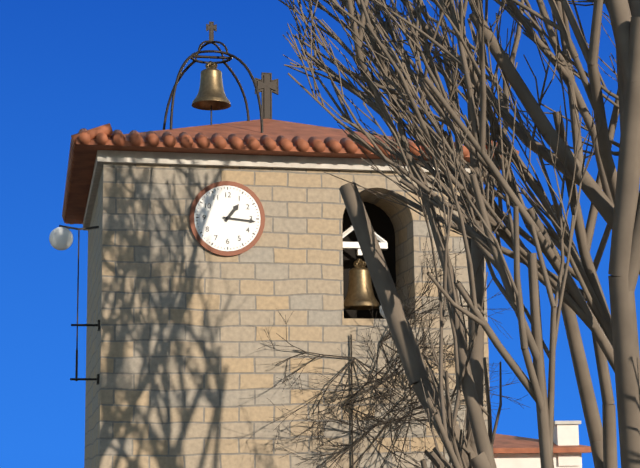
1:16
